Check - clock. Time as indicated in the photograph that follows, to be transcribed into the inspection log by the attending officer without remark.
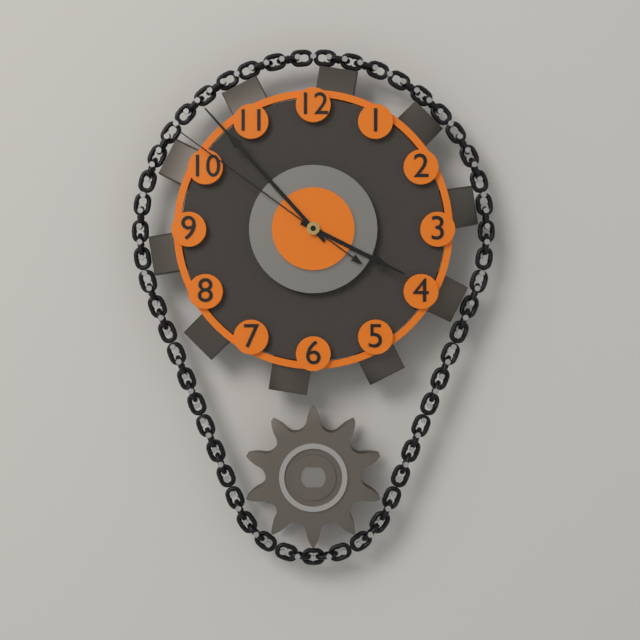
3:53:51
